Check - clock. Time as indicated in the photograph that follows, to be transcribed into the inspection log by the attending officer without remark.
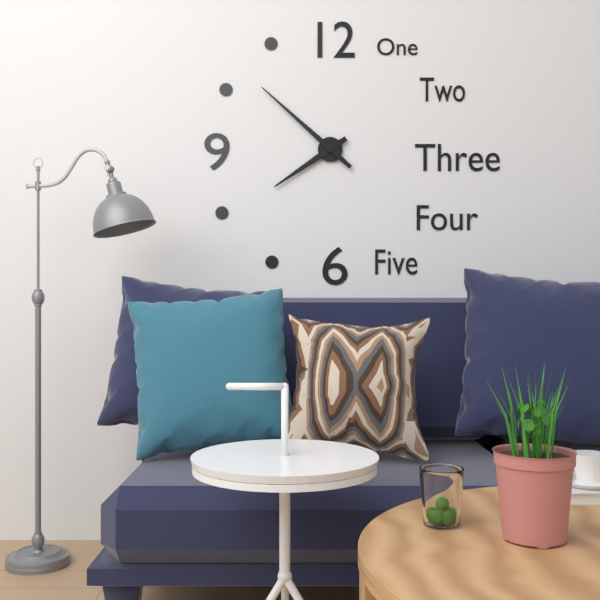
7:52
